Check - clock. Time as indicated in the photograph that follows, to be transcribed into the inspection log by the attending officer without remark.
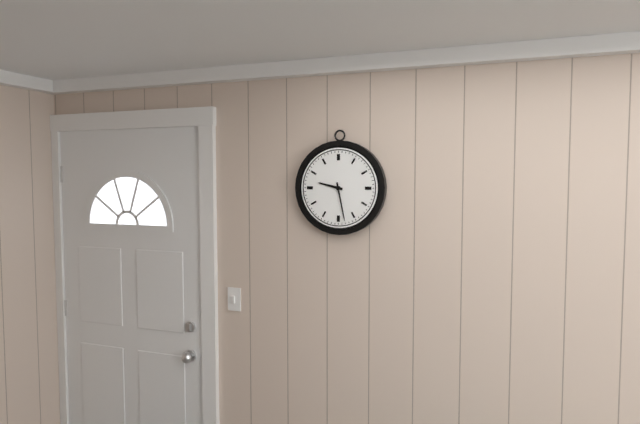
9:28
